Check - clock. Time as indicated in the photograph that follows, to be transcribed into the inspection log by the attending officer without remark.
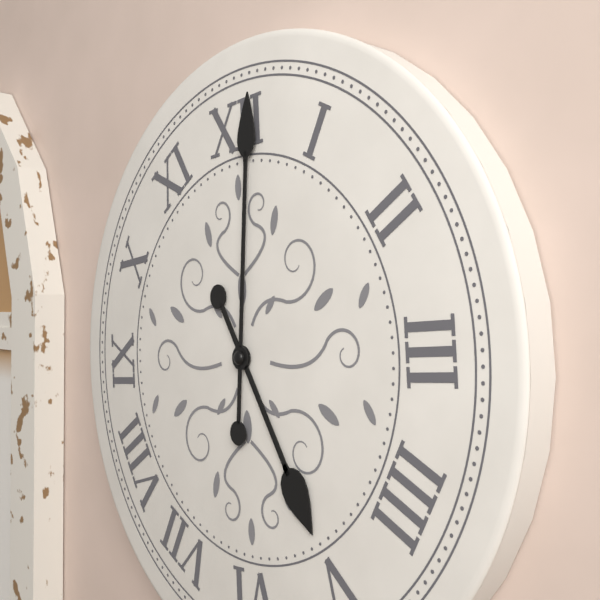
5:01
